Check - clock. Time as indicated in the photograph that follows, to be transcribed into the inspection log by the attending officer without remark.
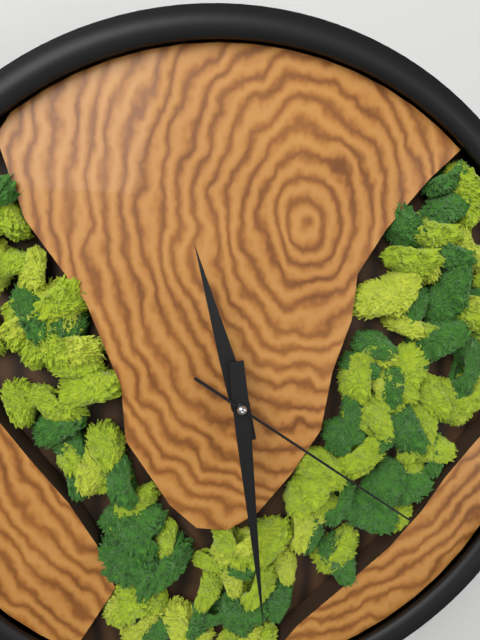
11:29:21
